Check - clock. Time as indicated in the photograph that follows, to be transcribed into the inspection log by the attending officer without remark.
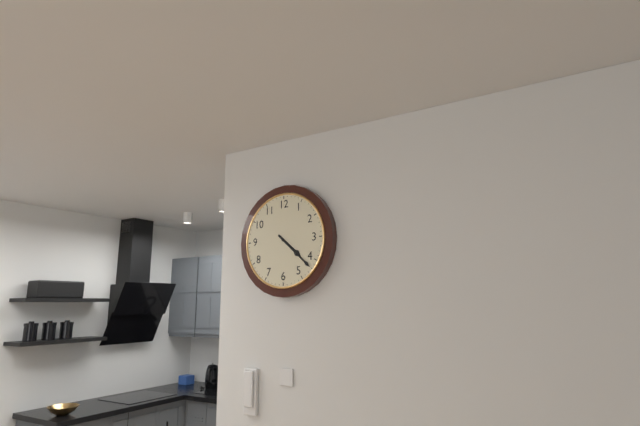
4:22
